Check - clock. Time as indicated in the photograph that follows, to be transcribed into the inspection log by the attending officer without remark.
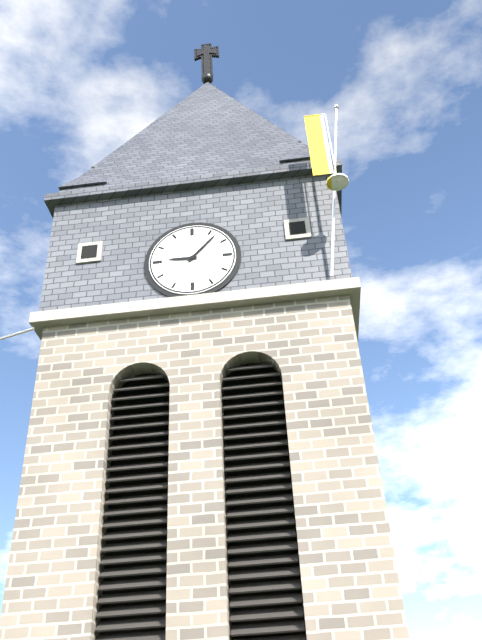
9:07
